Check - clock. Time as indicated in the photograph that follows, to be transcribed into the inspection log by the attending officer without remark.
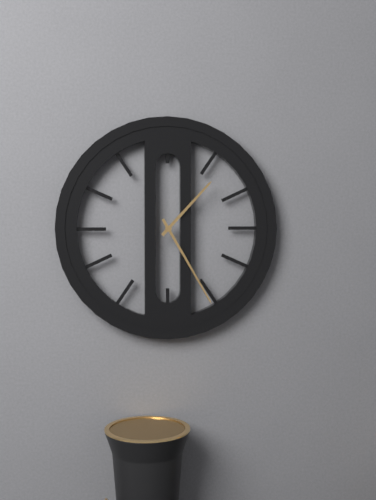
1:25
